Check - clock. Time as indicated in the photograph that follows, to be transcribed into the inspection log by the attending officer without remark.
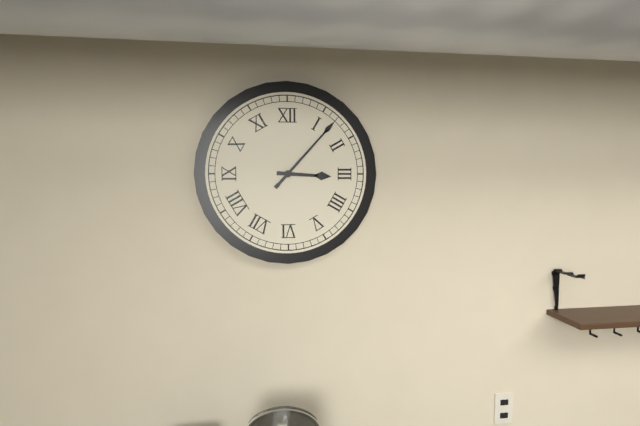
3:07
